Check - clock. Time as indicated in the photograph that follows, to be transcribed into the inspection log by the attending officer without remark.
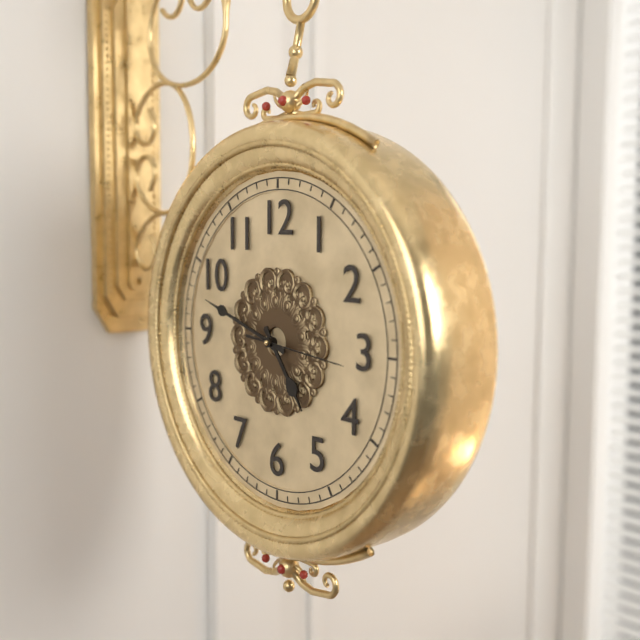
4:48:16
